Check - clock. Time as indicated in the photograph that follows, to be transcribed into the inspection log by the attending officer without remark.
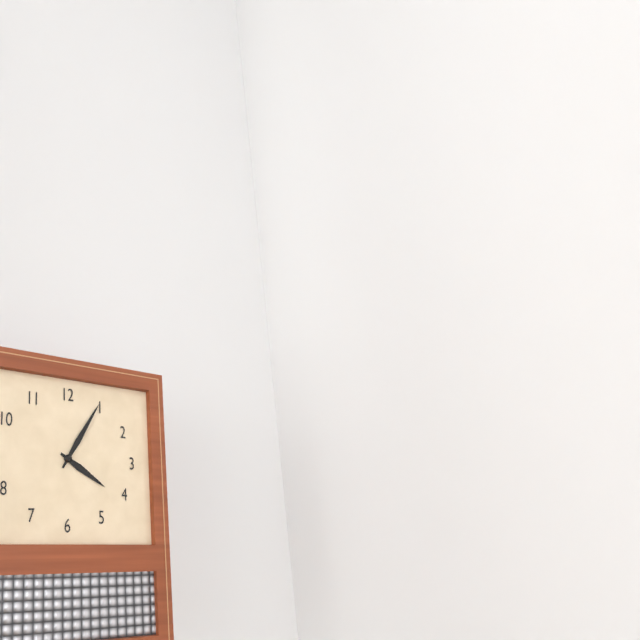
4:05
